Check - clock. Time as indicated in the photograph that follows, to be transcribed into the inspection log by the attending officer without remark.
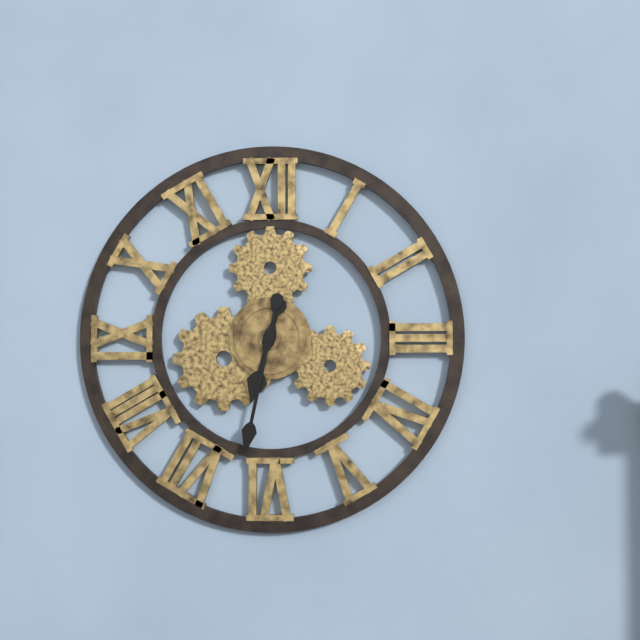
6:32
